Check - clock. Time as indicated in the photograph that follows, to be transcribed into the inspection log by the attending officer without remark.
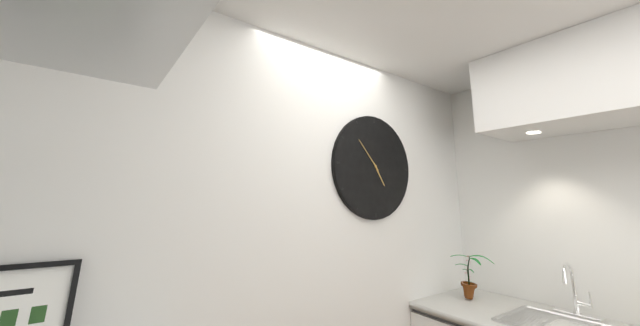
4:53
